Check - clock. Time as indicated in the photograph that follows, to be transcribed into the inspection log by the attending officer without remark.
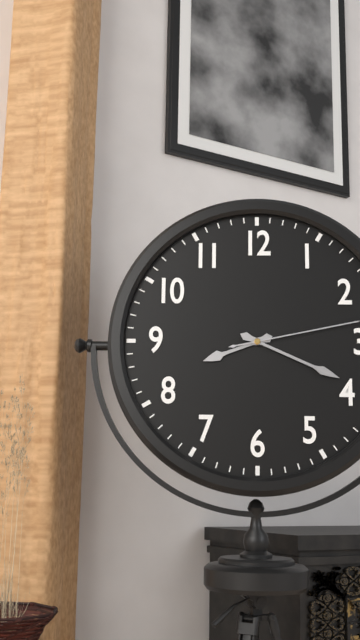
8:19
